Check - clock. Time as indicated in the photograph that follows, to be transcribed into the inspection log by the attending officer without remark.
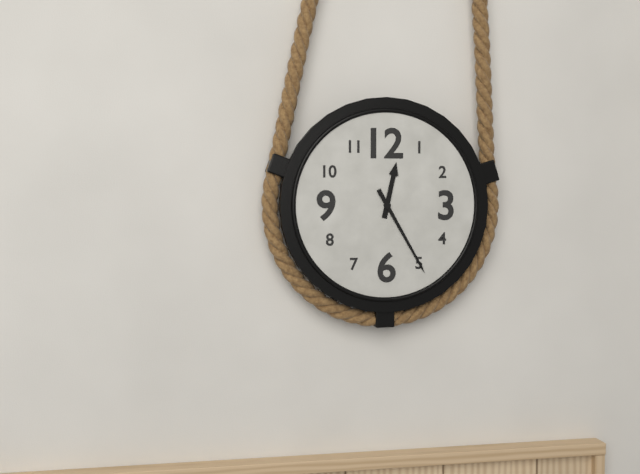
12:25
